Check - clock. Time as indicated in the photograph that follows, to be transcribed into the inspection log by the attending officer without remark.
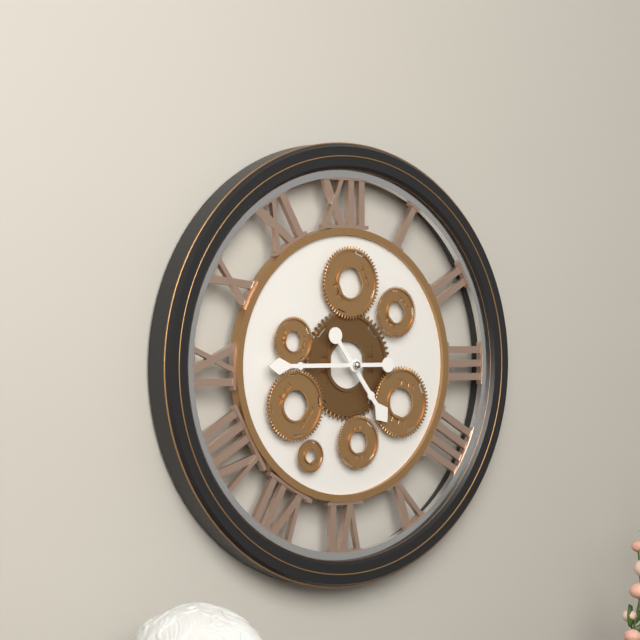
4:45
